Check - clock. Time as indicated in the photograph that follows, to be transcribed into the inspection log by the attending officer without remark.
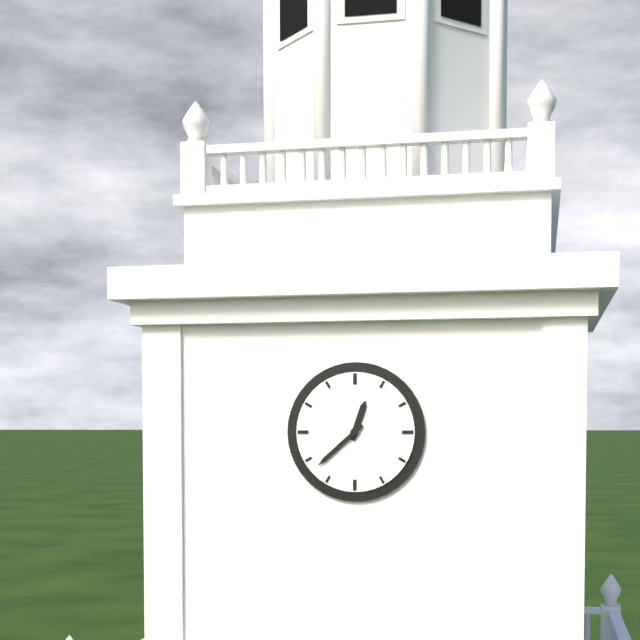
12:38
